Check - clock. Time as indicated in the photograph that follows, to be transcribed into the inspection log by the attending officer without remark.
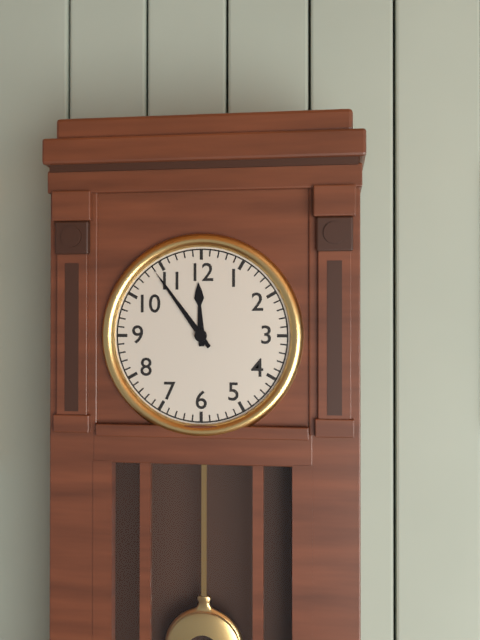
11:54
